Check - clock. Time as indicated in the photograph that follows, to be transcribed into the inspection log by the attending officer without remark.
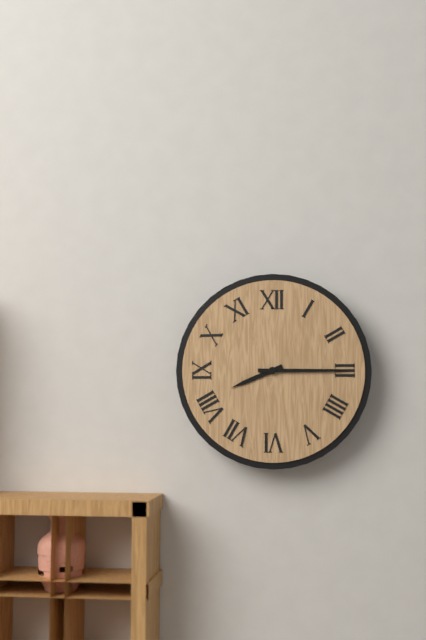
8:15
